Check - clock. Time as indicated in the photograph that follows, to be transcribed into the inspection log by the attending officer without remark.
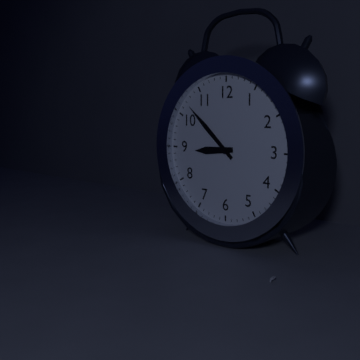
8:52
